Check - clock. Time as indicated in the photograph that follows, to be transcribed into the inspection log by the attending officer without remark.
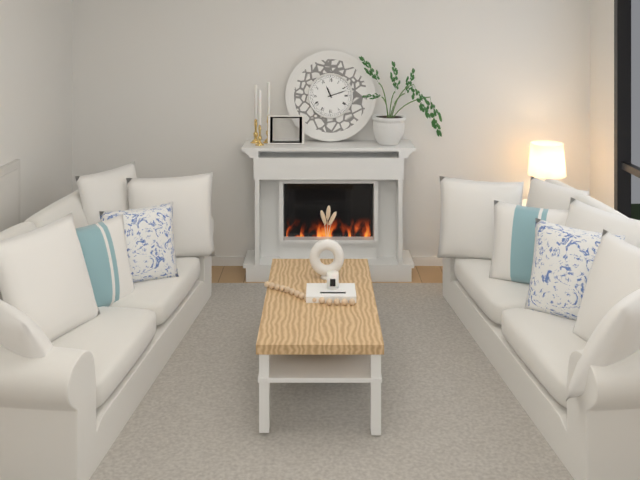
11:12
